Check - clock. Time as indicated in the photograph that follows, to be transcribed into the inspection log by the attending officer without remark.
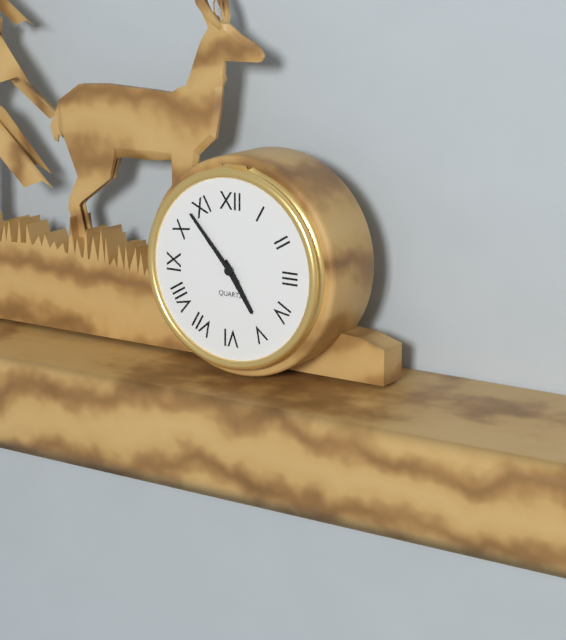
4:53
